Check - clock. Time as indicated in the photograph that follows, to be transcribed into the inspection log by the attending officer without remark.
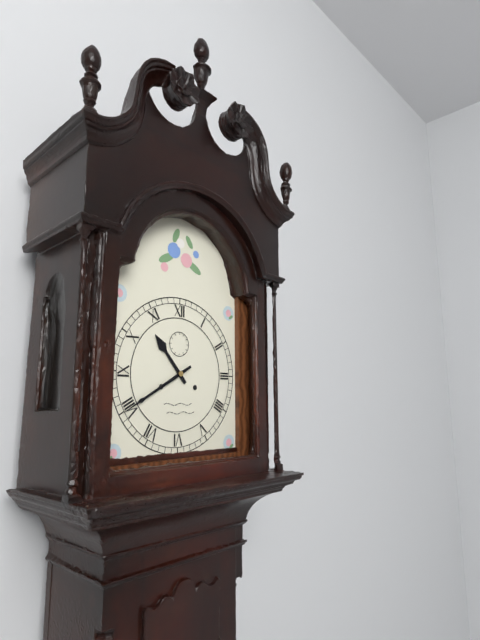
10:40
